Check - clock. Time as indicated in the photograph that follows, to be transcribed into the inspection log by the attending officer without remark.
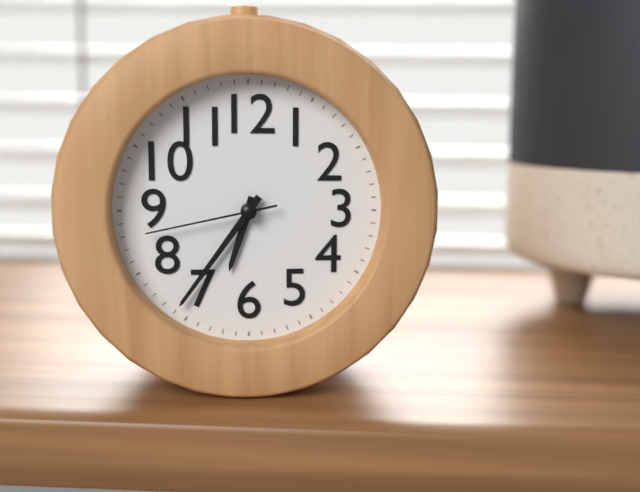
6:36:43
